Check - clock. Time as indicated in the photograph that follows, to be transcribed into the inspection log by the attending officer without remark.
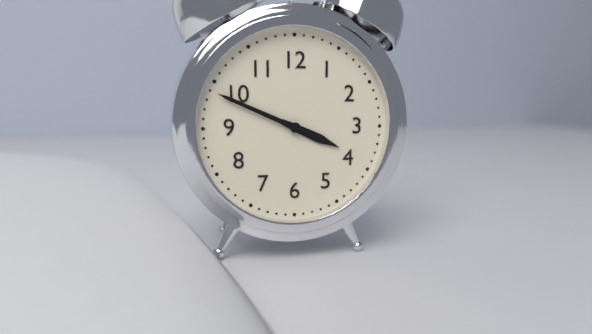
3:49
